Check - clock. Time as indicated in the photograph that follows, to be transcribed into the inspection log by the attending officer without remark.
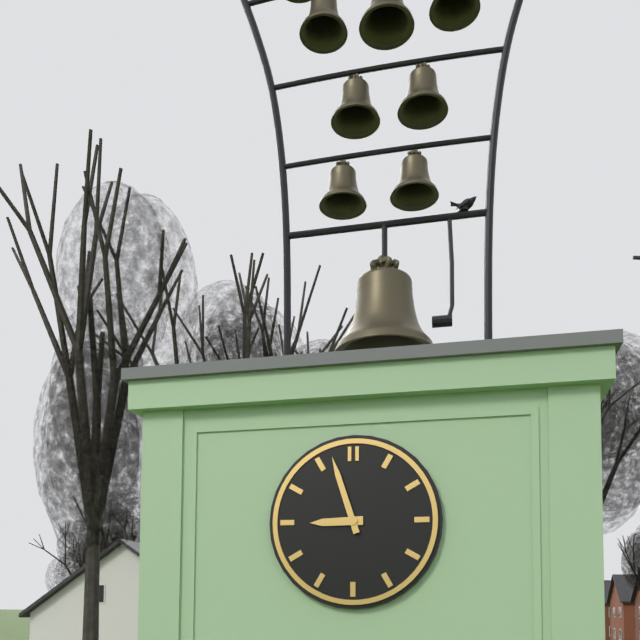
8:57
